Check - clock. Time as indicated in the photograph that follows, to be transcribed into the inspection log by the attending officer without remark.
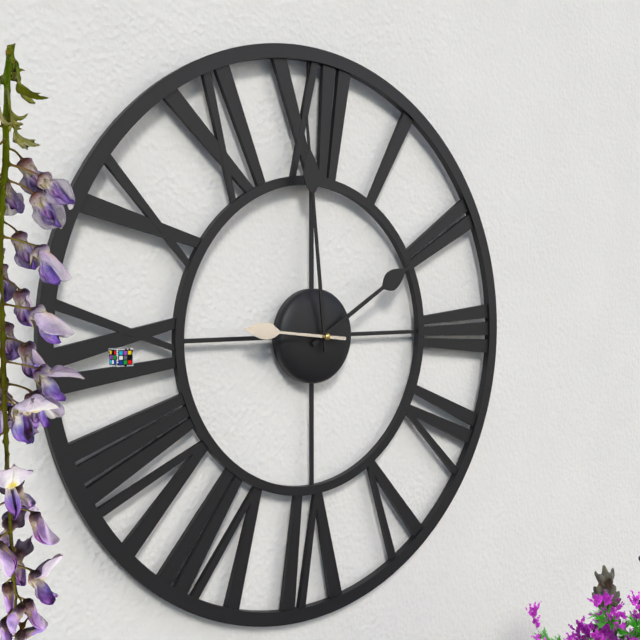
1:59:46
